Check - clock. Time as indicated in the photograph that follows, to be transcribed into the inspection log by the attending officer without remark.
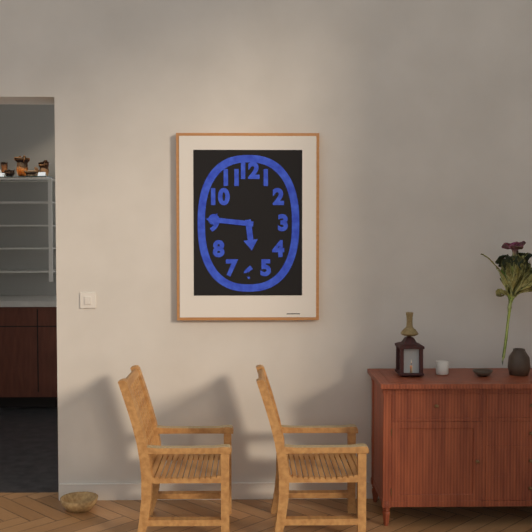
5:46
